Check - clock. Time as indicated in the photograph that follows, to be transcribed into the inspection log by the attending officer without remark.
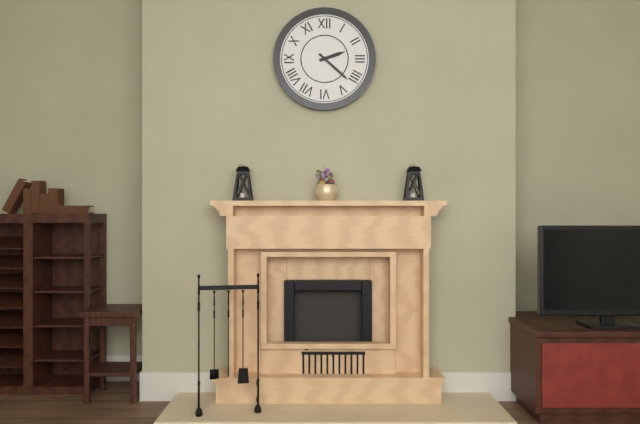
2:22
